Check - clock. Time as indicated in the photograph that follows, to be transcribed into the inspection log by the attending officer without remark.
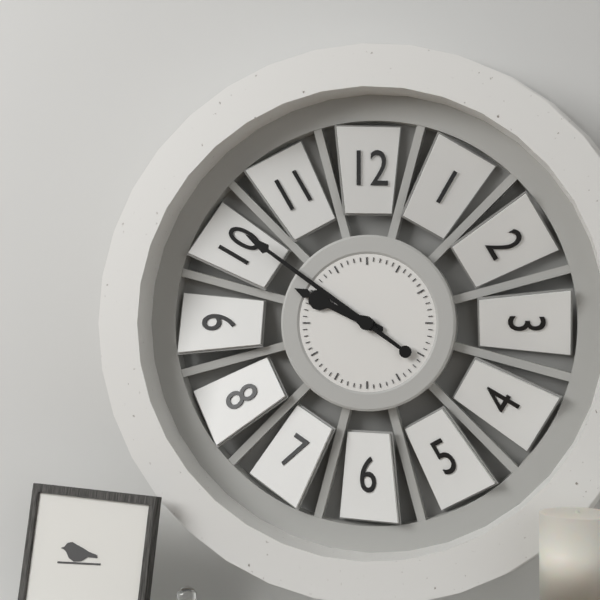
9:51
